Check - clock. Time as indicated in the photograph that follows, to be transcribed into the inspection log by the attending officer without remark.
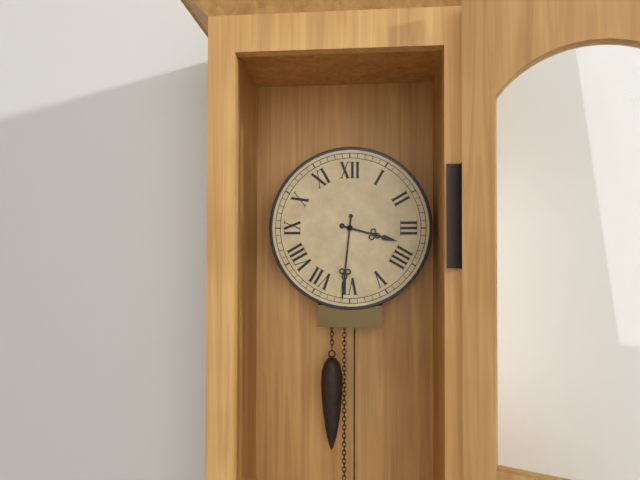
3:31
